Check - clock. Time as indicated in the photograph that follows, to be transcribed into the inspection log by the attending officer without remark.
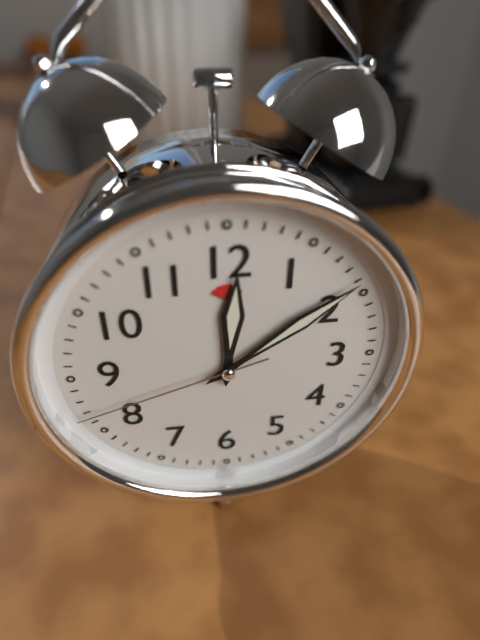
12:09:42
